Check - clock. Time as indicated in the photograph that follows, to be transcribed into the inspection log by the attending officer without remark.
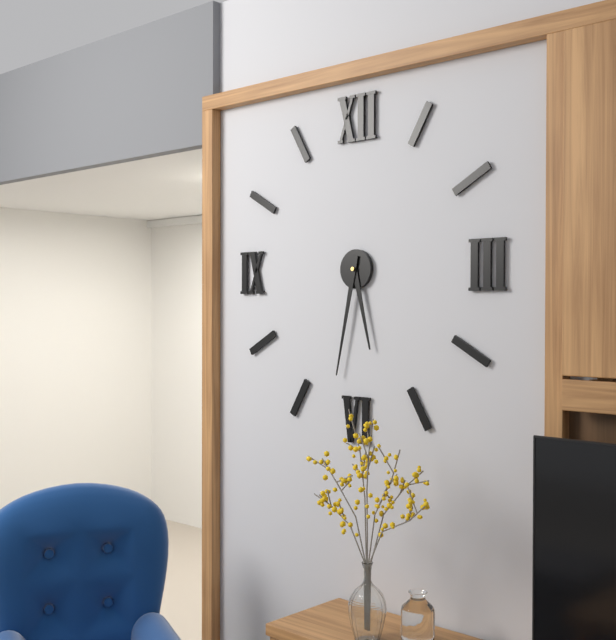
5:32
